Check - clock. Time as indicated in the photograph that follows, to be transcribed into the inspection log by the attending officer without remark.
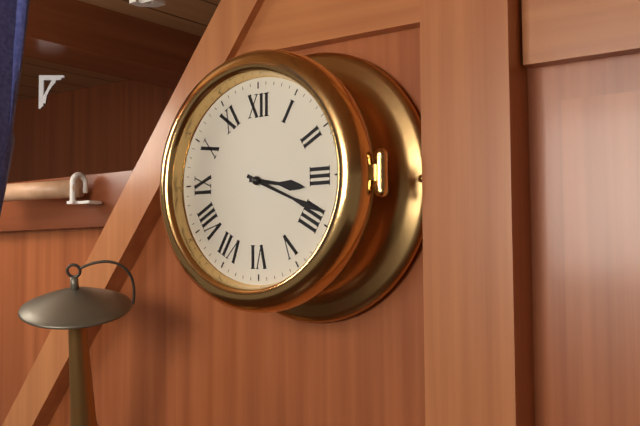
3:19
